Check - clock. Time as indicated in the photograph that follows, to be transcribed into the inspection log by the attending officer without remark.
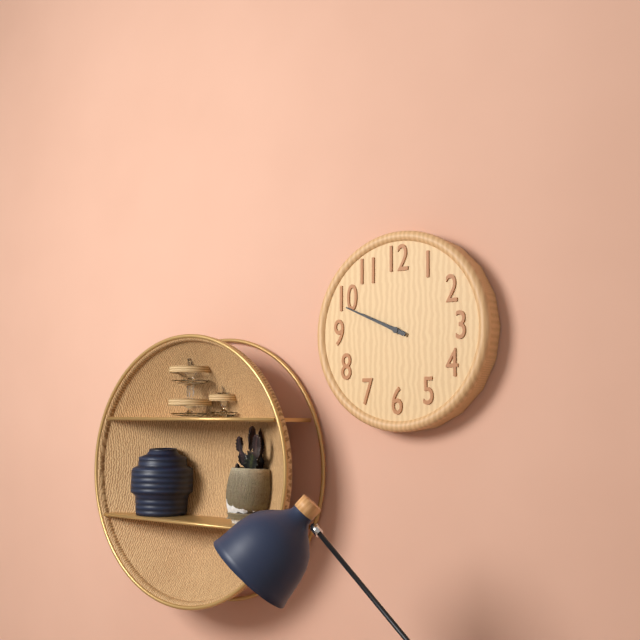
9:49
